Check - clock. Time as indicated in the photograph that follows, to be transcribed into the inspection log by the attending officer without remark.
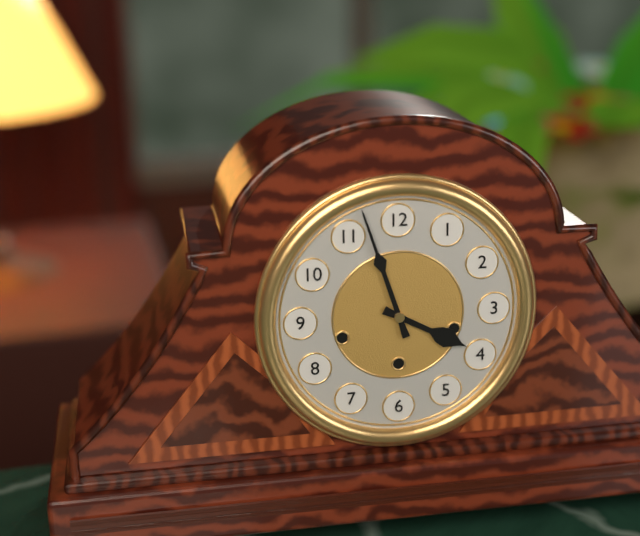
3:57
